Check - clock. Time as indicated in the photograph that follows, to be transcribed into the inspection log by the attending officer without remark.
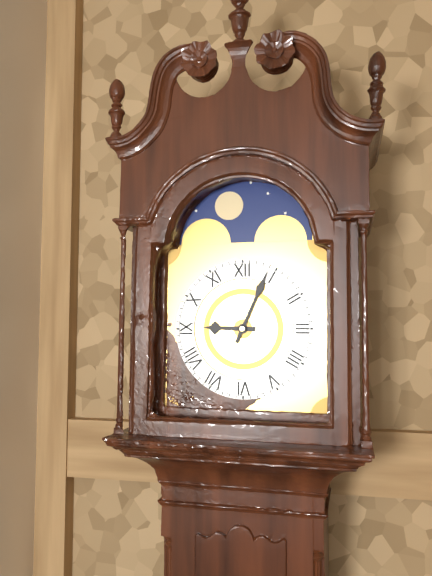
9:04
